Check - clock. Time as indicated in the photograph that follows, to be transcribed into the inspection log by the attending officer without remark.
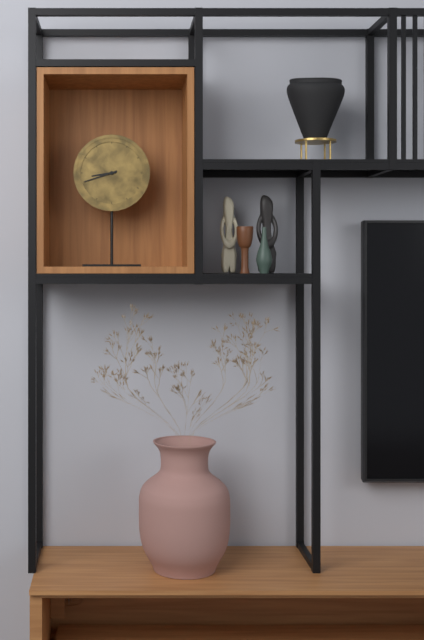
8:42
